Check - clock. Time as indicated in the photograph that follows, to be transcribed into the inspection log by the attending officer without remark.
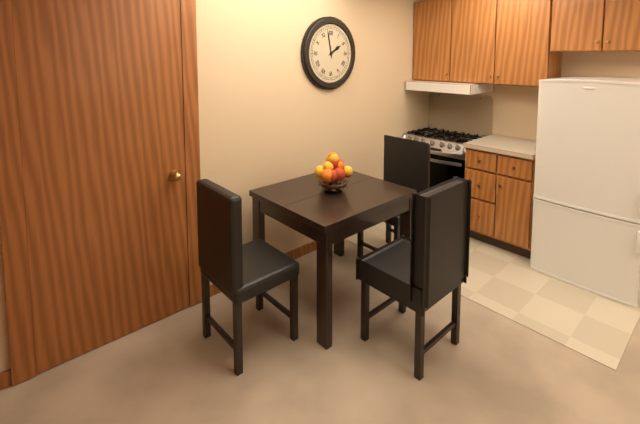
1:58
